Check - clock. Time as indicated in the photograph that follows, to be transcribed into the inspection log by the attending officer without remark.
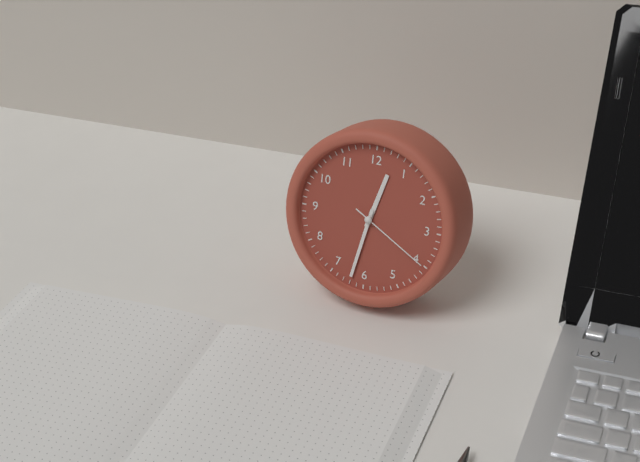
12:32:20
